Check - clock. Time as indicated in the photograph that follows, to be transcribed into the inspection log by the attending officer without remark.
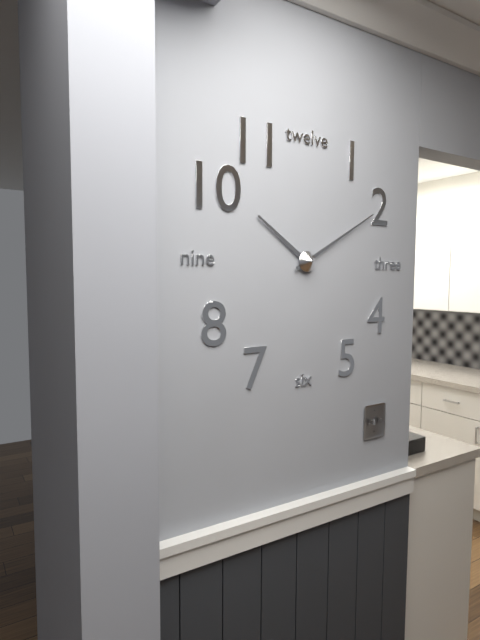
10:10
